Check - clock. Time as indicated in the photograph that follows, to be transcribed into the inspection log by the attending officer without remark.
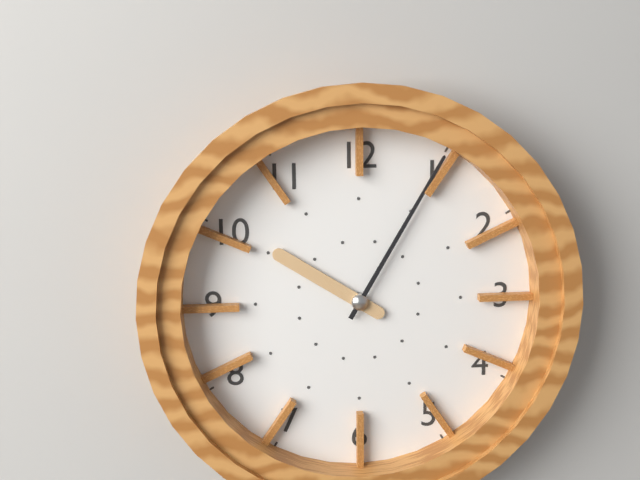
10:05
